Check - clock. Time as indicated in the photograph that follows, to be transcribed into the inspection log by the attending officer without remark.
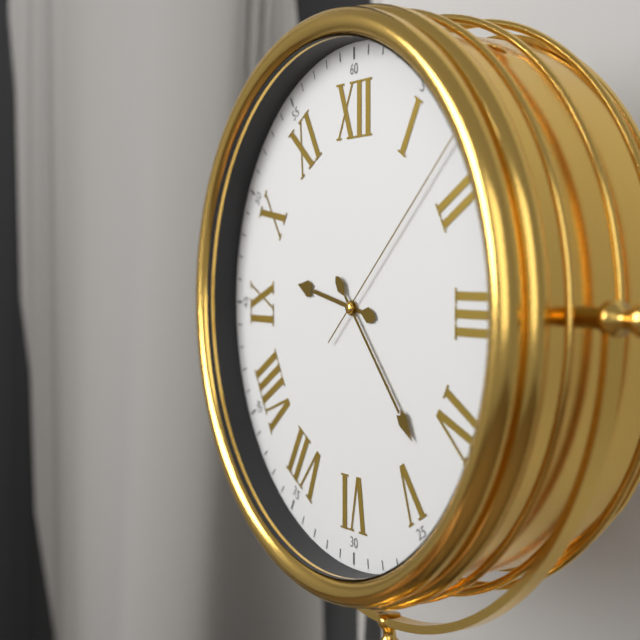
9:23:08
